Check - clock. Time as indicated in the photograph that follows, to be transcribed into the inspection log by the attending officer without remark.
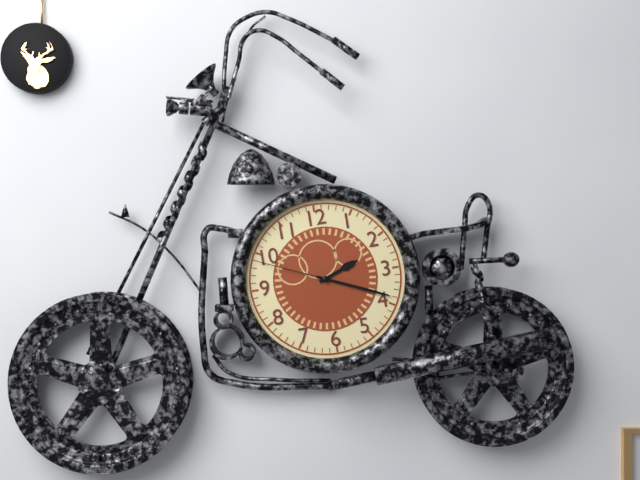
2:19:49
